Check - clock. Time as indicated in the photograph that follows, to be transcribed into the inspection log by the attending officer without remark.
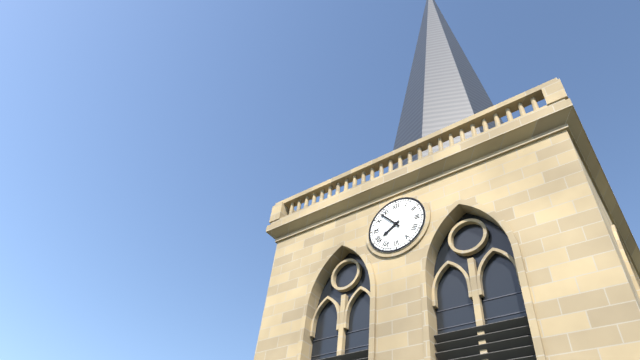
7:53
